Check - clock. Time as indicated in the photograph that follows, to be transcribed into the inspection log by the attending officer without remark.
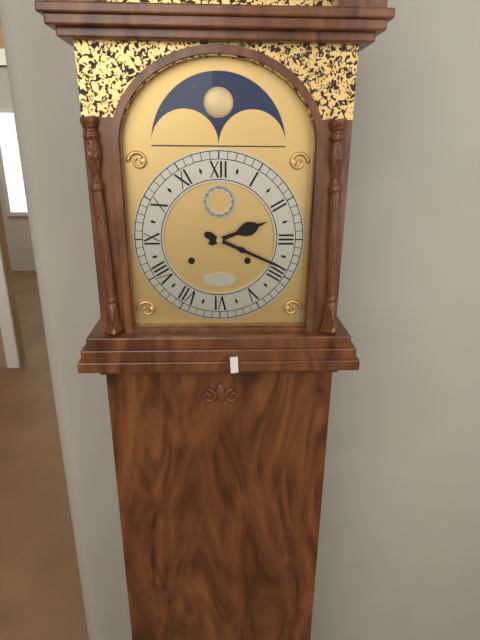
2:19
